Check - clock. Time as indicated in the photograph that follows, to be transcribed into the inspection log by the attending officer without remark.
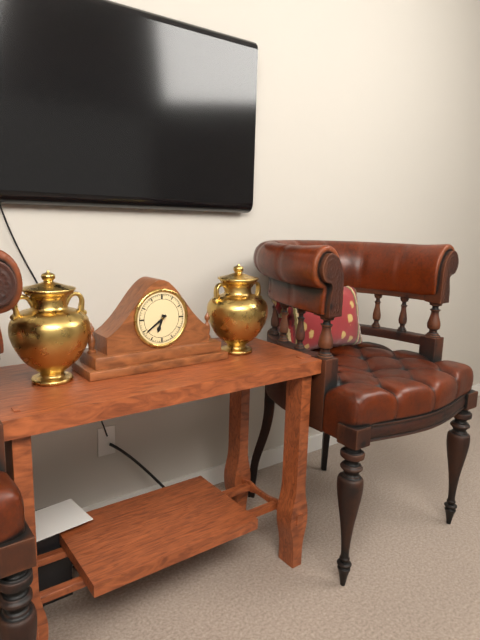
6:39
